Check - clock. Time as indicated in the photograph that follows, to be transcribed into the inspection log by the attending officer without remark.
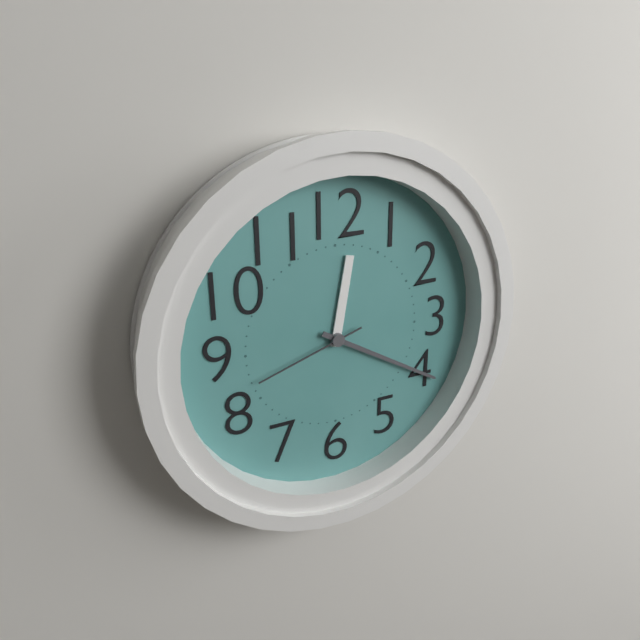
12:20:42
